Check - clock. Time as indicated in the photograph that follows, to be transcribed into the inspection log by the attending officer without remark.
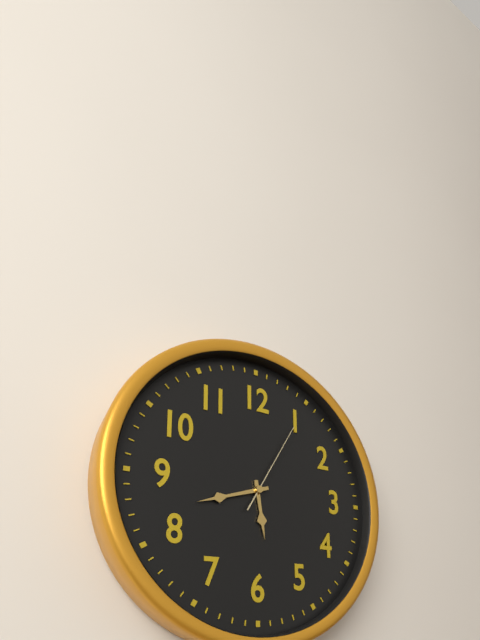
5:42:05
